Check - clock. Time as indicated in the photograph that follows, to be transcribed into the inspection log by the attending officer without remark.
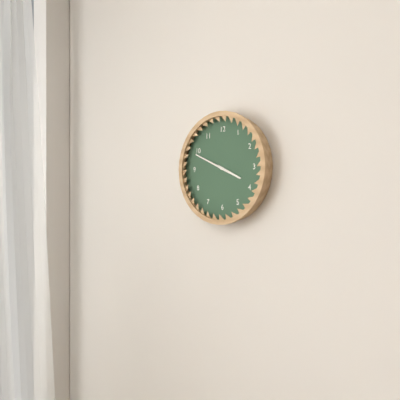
3:49
